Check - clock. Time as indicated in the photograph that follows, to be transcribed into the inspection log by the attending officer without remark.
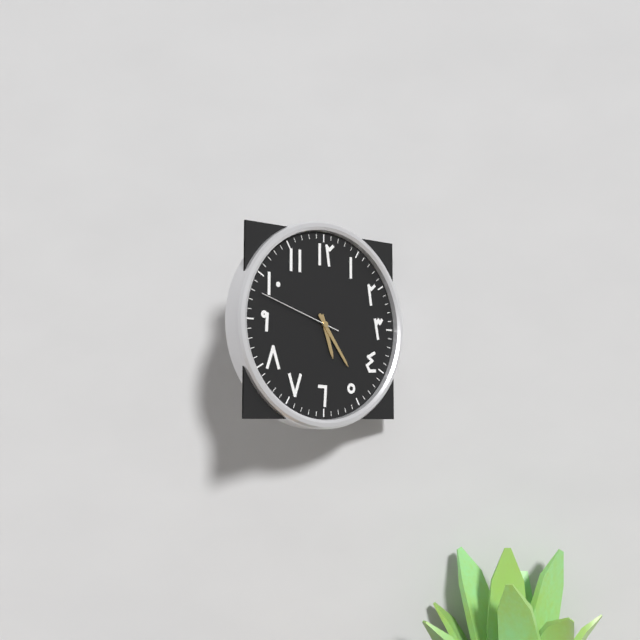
5:24:48
